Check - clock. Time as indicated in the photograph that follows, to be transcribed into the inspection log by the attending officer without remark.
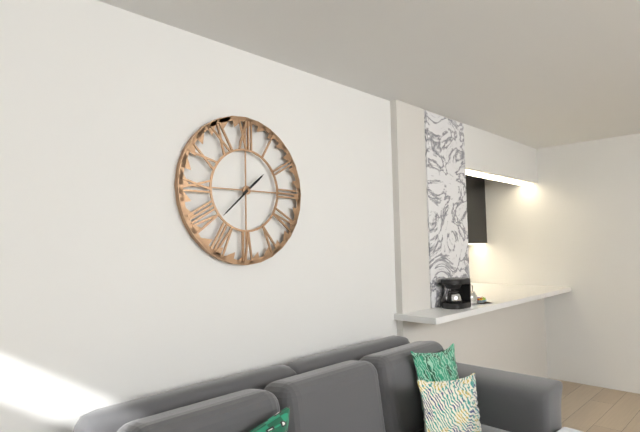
1:38
